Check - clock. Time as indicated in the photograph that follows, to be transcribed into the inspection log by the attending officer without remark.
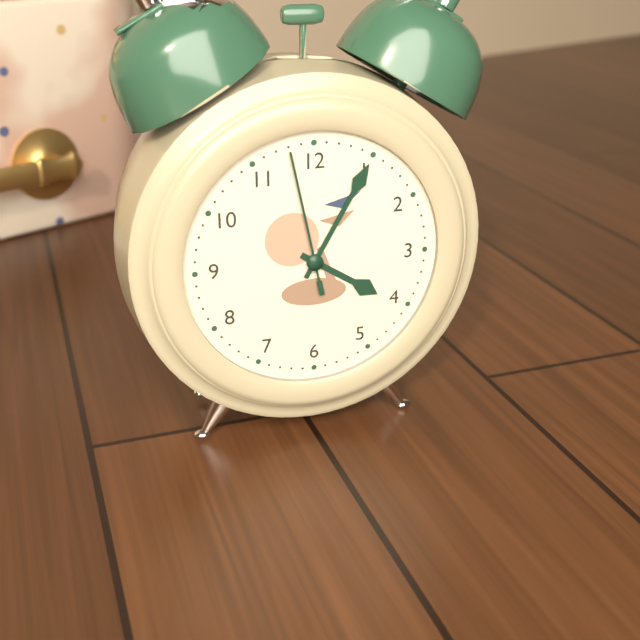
4:05:58
